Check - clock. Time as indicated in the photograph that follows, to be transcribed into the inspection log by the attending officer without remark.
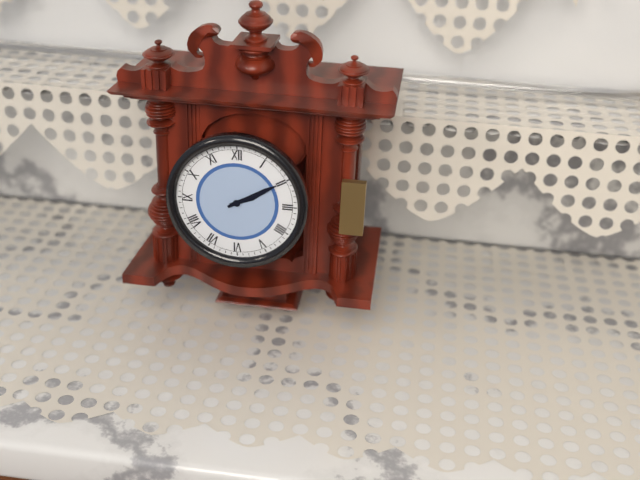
2:10
